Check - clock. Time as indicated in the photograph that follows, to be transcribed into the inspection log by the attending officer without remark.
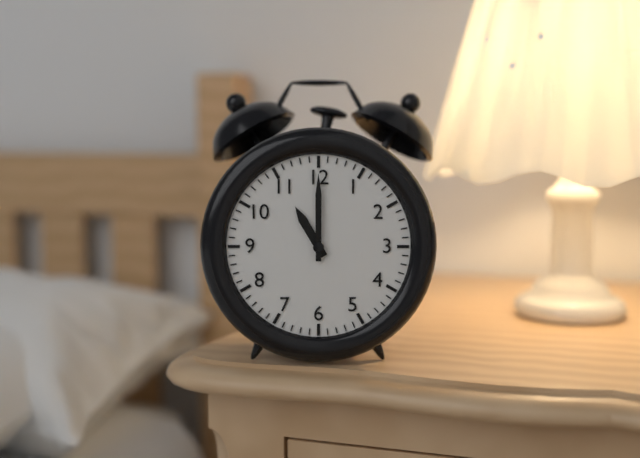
11:00
